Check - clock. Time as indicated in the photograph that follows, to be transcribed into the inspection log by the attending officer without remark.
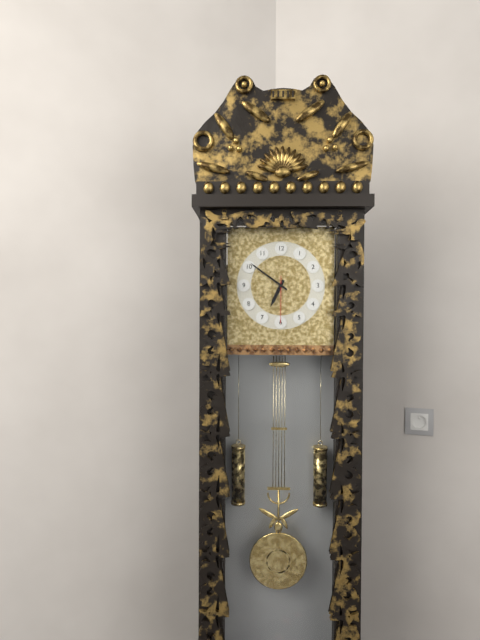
6:51
